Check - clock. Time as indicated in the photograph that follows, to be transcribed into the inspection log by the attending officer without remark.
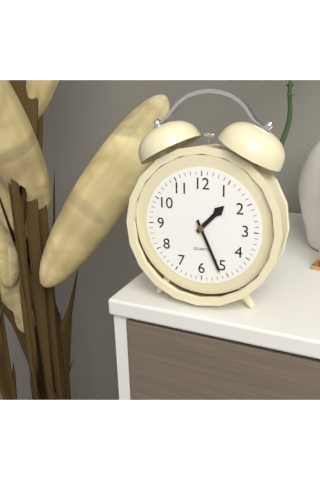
1:26
